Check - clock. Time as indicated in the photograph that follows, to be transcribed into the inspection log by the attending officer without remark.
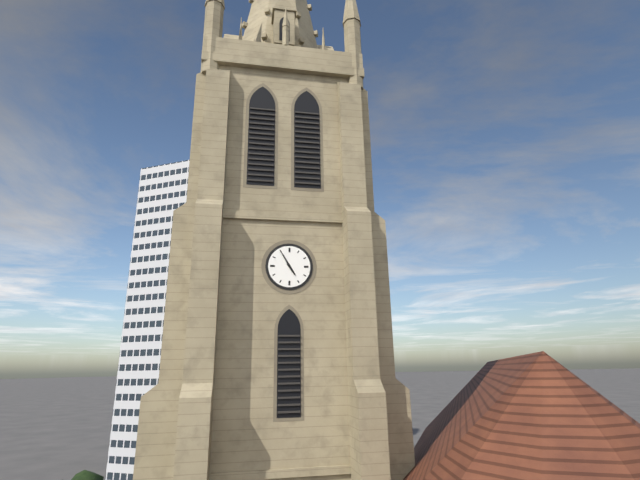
4:55
